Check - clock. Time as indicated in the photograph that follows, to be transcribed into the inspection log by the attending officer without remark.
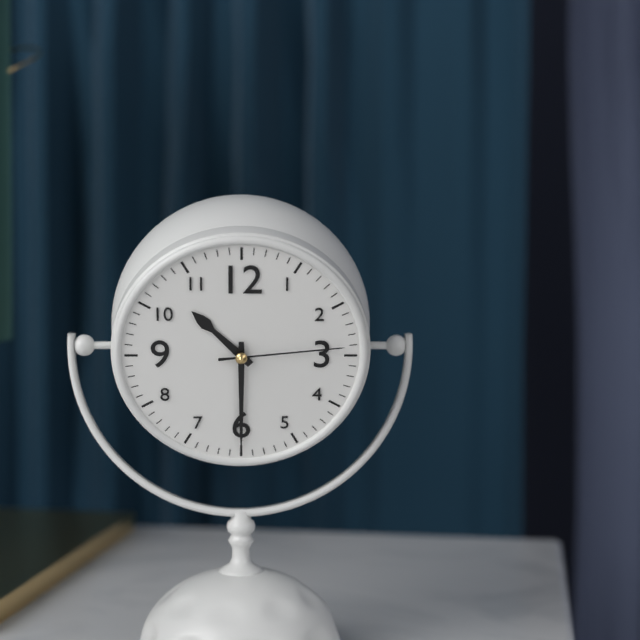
10:30:14
